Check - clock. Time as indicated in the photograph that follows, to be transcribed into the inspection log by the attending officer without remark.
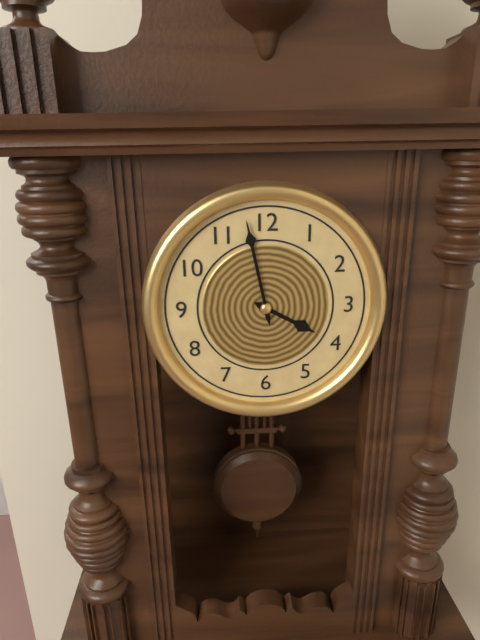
3:58
